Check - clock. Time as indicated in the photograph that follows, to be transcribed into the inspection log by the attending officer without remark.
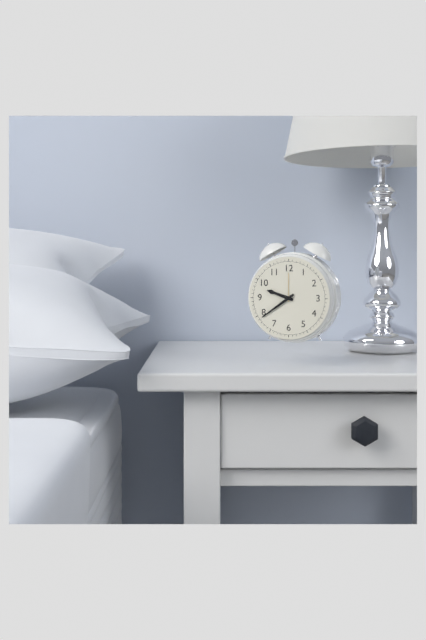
9:39
